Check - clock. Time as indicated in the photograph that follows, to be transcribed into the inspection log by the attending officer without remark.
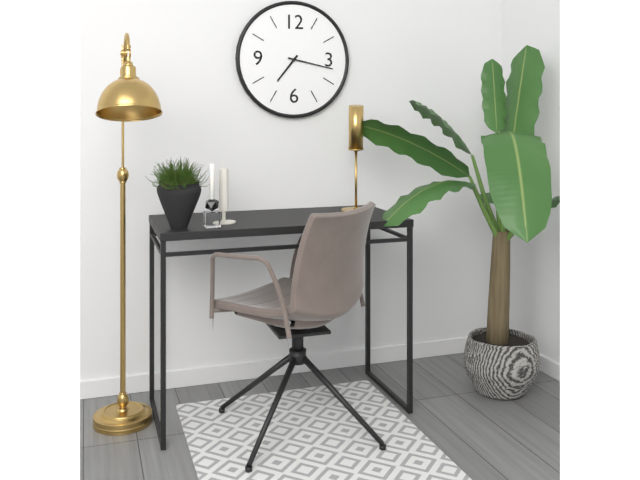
7:17
